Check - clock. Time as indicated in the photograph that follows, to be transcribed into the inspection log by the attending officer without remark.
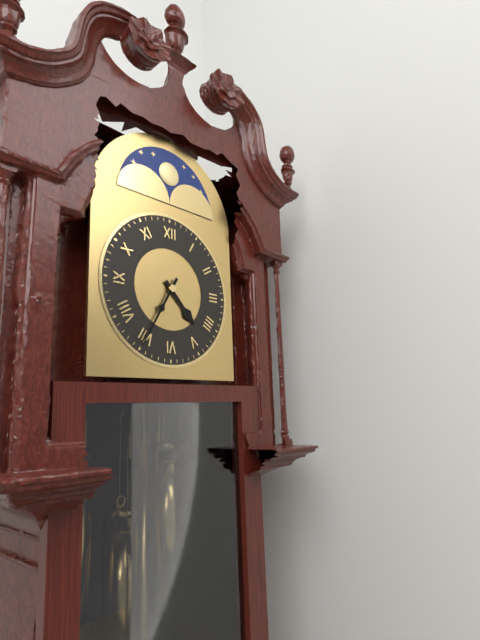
4:35
